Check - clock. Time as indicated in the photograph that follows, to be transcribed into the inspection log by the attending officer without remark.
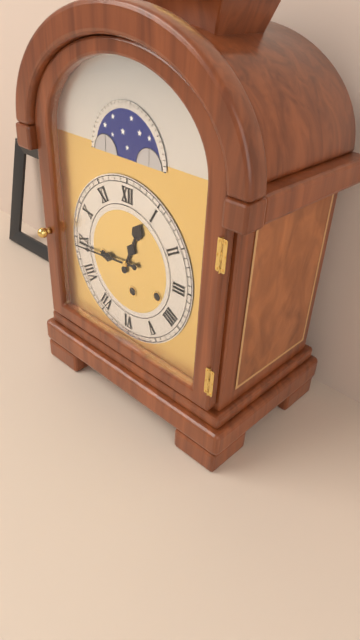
12:44
